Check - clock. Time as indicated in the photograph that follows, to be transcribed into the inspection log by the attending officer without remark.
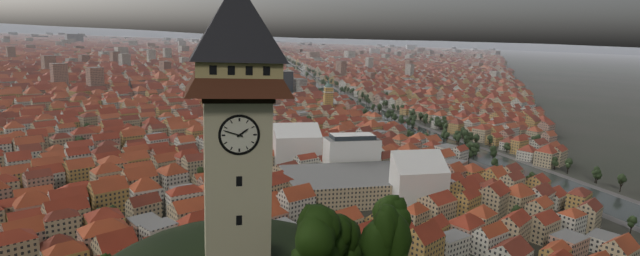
1:48
